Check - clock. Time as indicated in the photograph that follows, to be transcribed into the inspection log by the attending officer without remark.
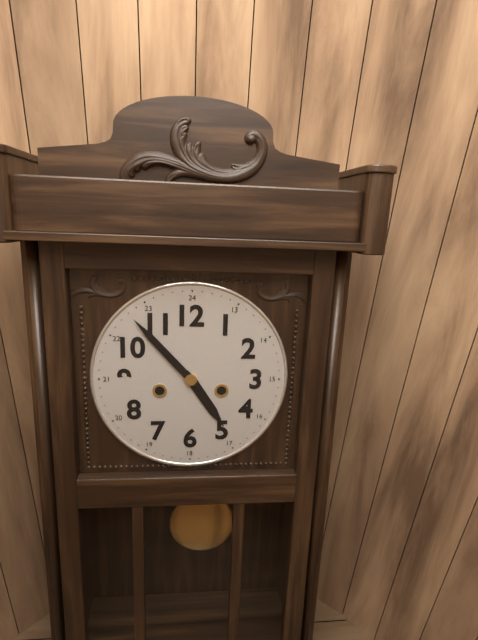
4:53
